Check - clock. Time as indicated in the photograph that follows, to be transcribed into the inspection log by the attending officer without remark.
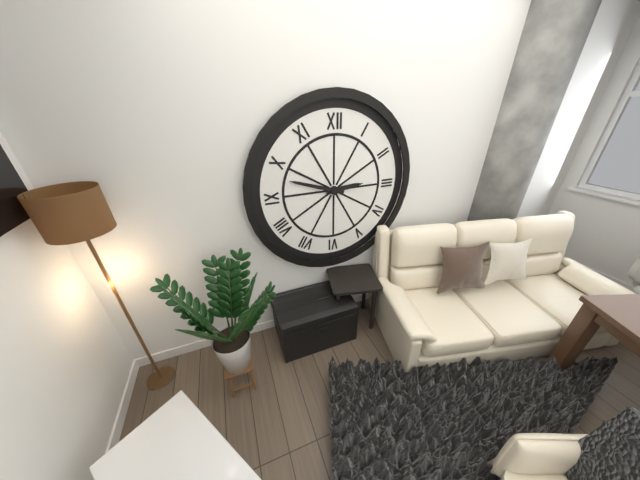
2:48
